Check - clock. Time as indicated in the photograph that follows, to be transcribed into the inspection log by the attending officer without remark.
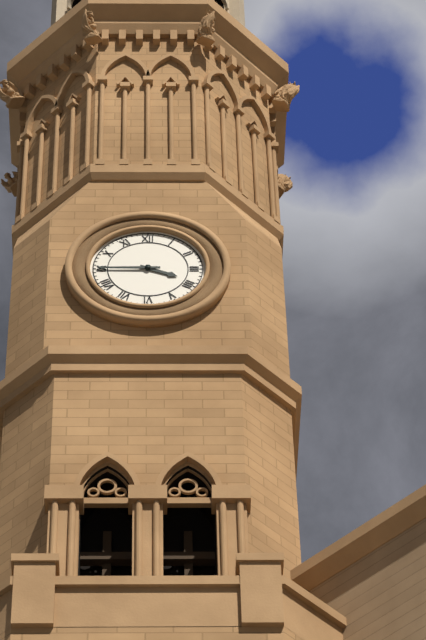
3:45
